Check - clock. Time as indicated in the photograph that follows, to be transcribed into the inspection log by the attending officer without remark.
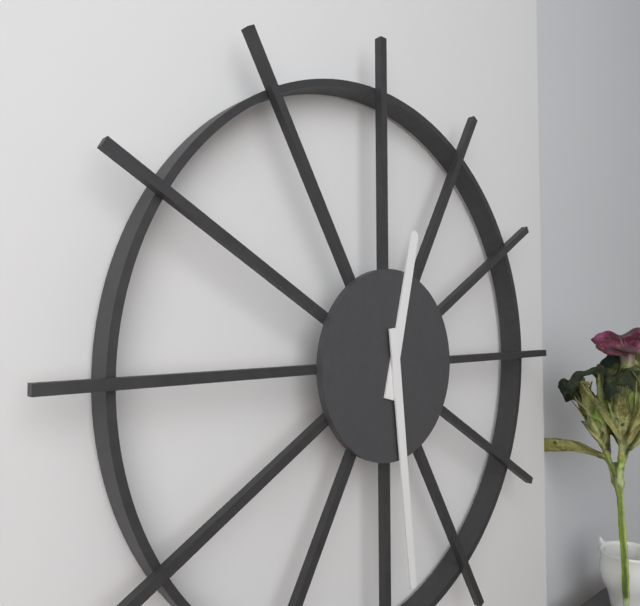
12:29
